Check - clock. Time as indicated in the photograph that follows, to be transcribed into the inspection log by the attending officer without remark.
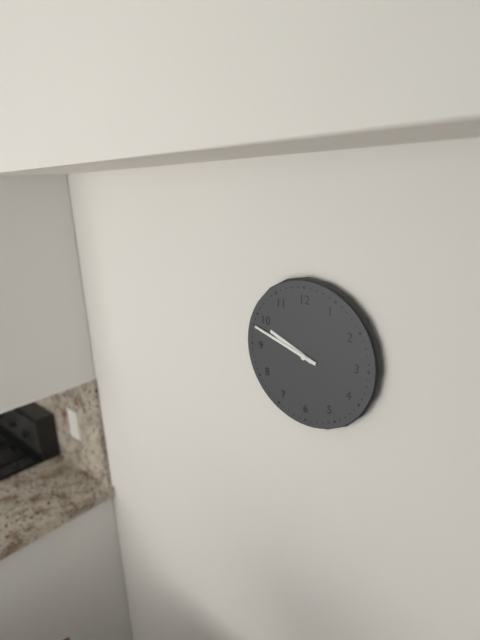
9:48
